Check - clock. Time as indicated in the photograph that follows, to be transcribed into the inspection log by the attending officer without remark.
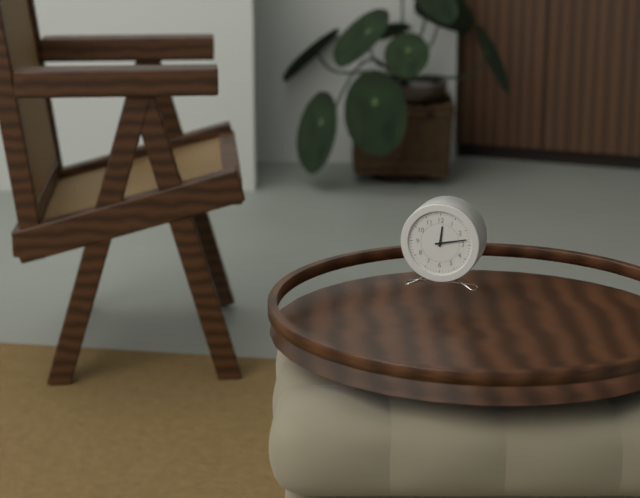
12:13
